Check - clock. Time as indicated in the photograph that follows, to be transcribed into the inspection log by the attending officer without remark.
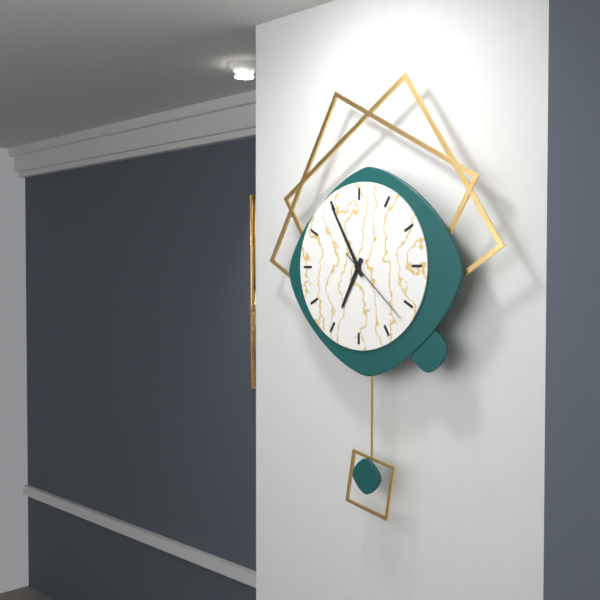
6:55:22
